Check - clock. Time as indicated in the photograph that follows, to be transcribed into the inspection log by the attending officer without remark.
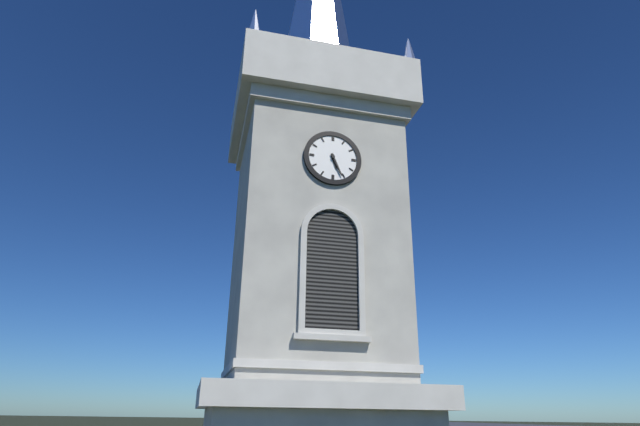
5:26
